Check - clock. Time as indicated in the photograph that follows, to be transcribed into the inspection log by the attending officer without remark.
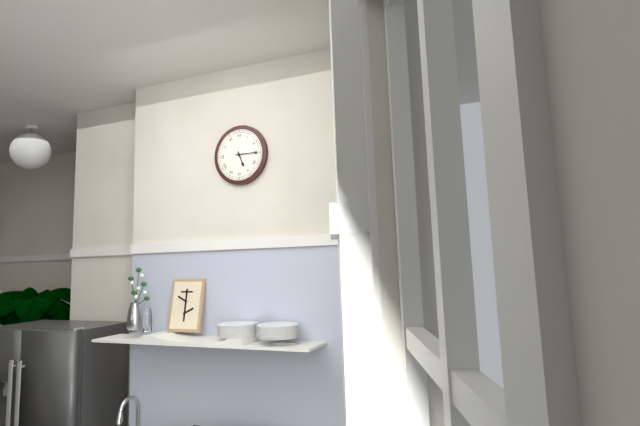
5:15
